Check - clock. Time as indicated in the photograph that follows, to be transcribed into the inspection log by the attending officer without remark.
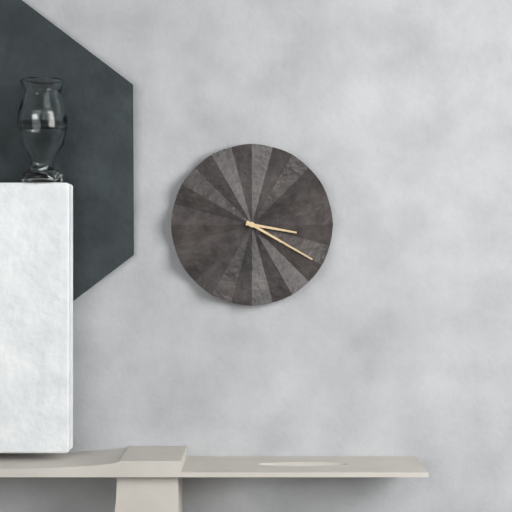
3:20
